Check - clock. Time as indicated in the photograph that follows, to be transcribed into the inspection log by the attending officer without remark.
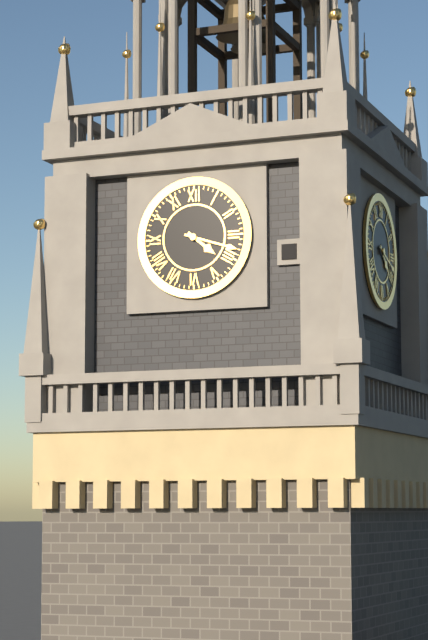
4:18
